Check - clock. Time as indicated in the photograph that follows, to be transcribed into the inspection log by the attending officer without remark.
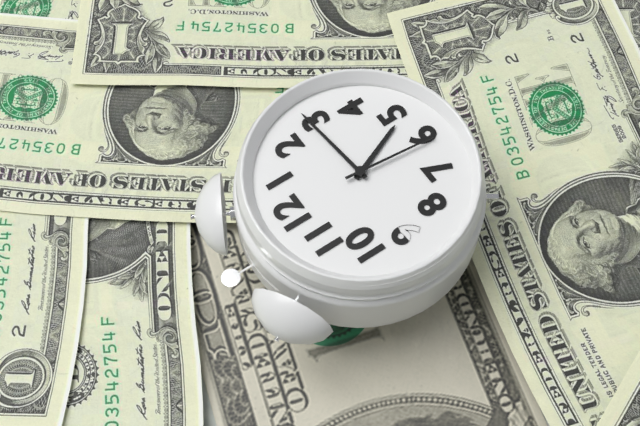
5:14:31
